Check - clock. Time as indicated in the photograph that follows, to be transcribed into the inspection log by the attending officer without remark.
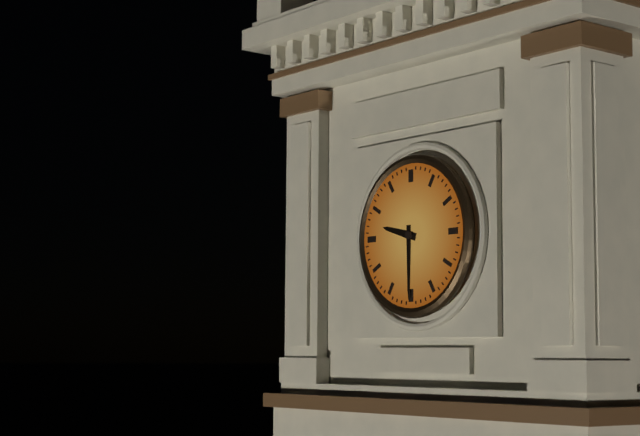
9:30
